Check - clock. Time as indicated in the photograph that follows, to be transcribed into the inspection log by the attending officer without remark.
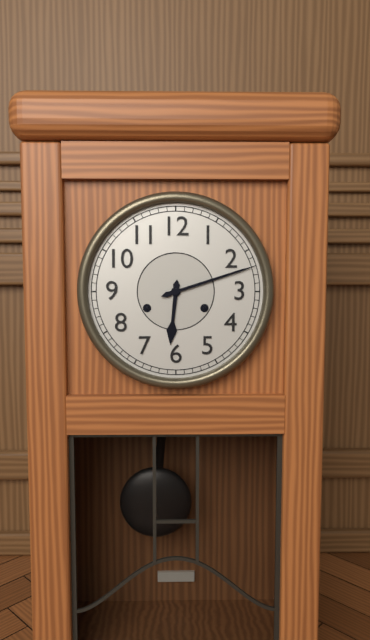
6:12
